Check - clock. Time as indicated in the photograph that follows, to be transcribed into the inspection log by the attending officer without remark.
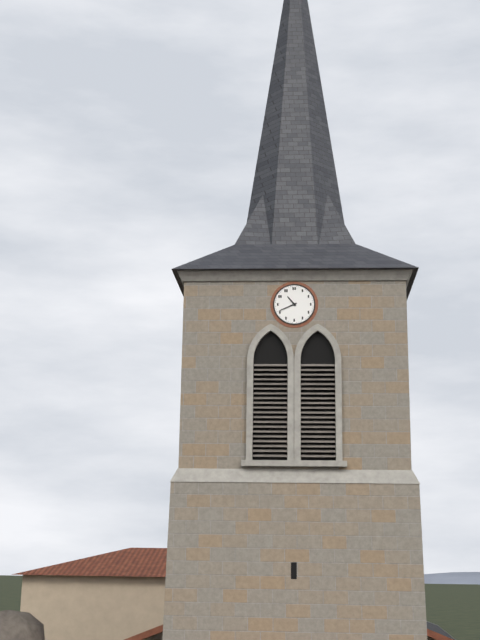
10:41
